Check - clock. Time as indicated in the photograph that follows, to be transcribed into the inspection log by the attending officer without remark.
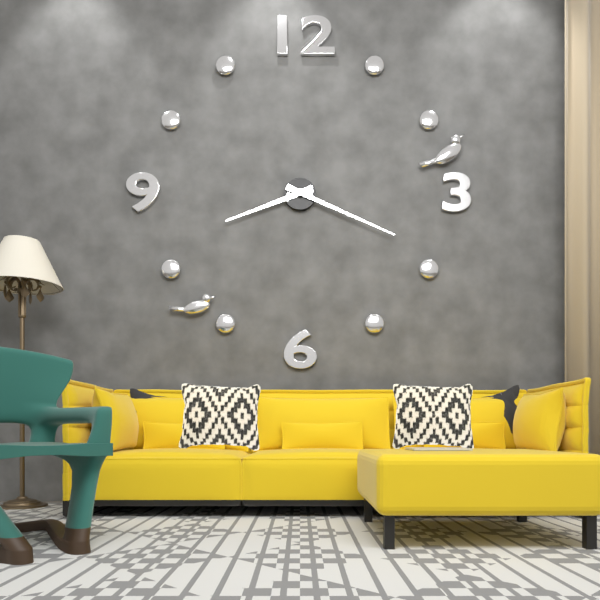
8:19
